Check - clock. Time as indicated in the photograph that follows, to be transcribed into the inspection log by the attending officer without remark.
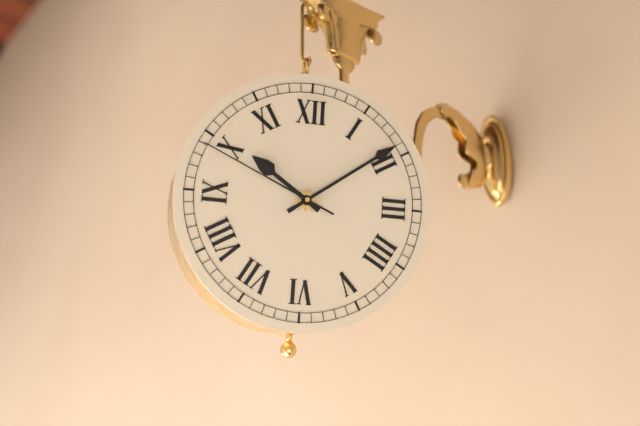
10:09:49
